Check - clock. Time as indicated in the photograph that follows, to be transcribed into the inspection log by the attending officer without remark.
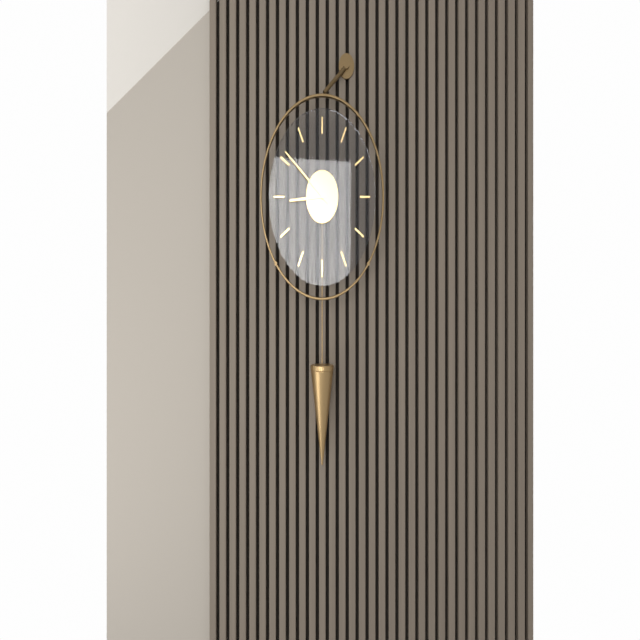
8:51
